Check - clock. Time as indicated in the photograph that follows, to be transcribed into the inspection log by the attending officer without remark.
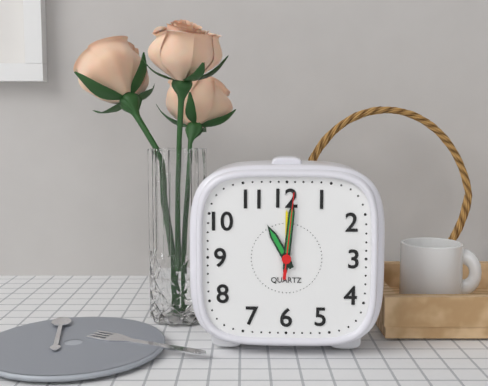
11:01:01
